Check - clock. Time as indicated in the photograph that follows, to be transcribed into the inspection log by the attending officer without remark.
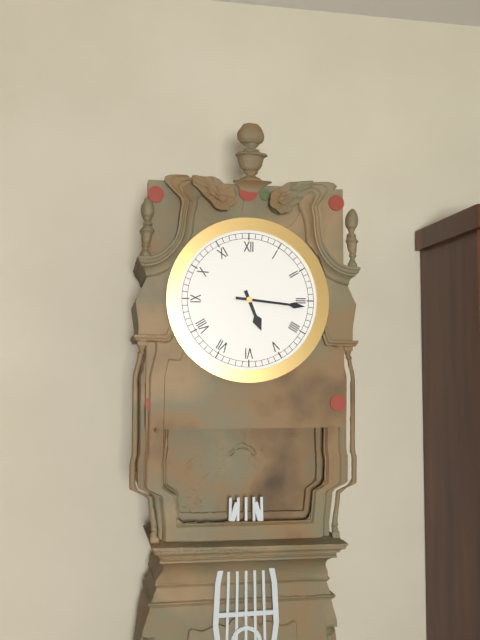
5:16
